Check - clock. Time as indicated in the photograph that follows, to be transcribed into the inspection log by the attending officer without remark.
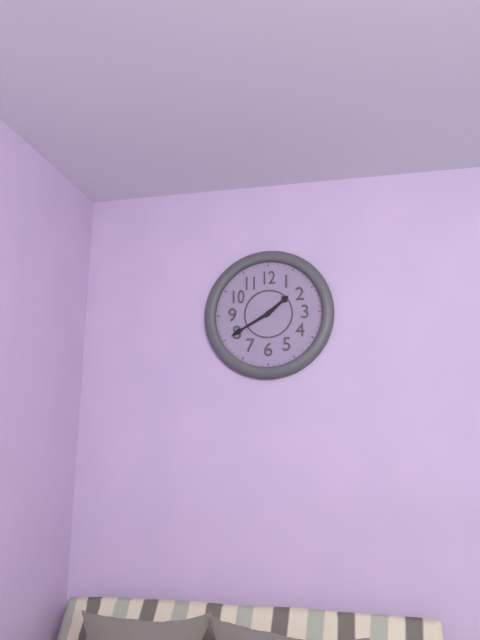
1:40
